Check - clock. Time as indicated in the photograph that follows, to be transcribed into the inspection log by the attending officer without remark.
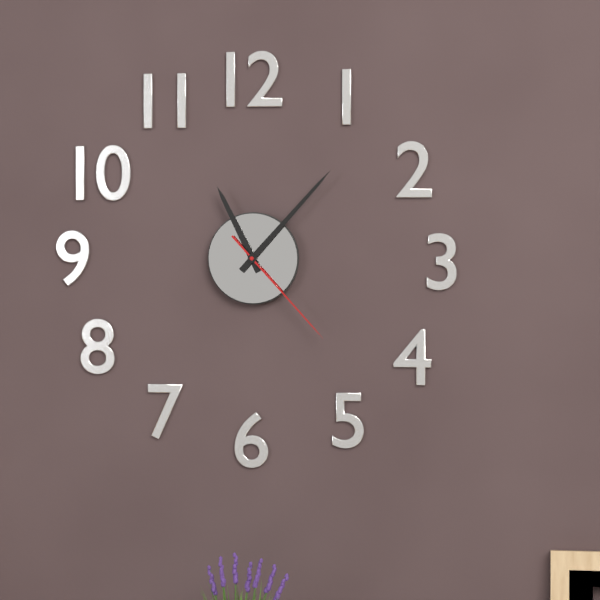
11:07:23
